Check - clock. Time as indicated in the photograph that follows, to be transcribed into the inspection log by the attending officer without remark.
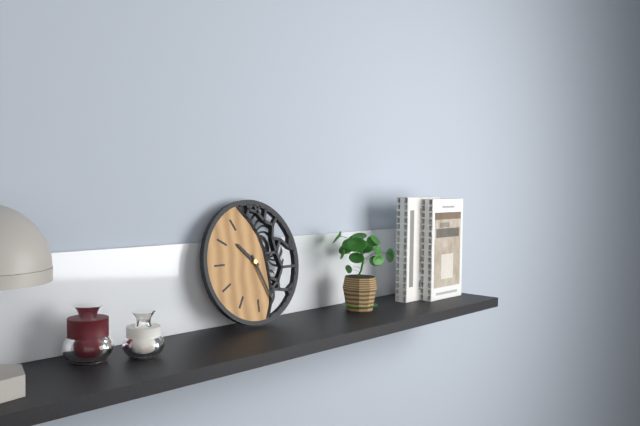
10:26
